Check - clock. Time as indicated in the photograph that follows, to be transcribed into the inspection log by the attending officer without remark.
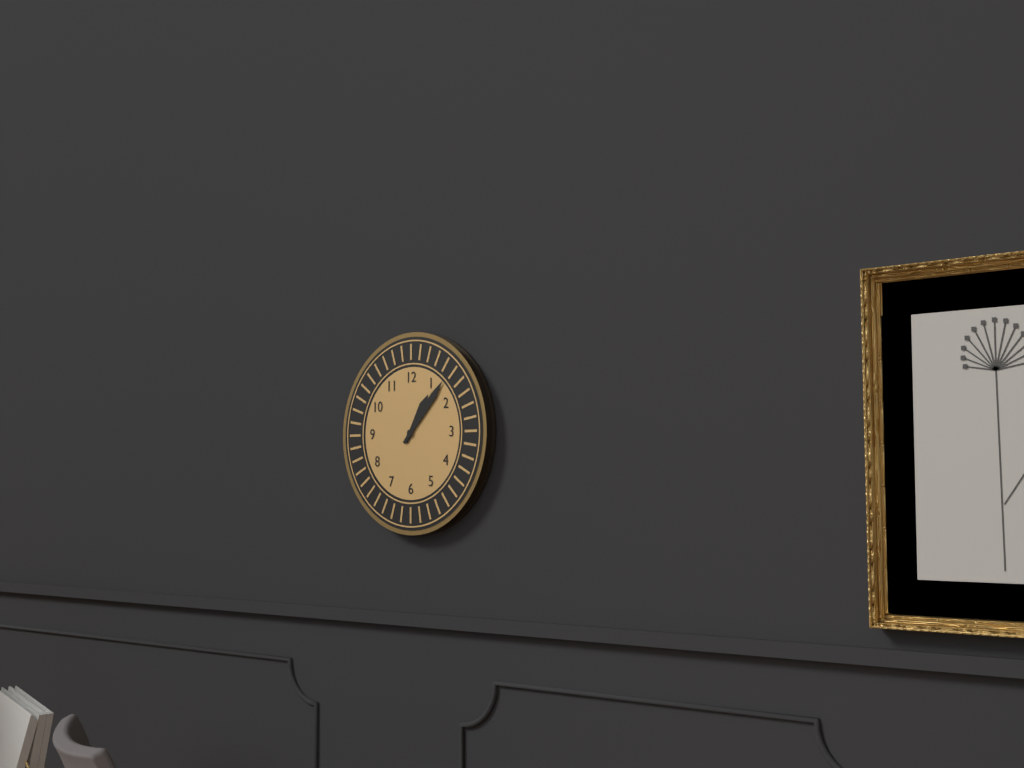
1:07
